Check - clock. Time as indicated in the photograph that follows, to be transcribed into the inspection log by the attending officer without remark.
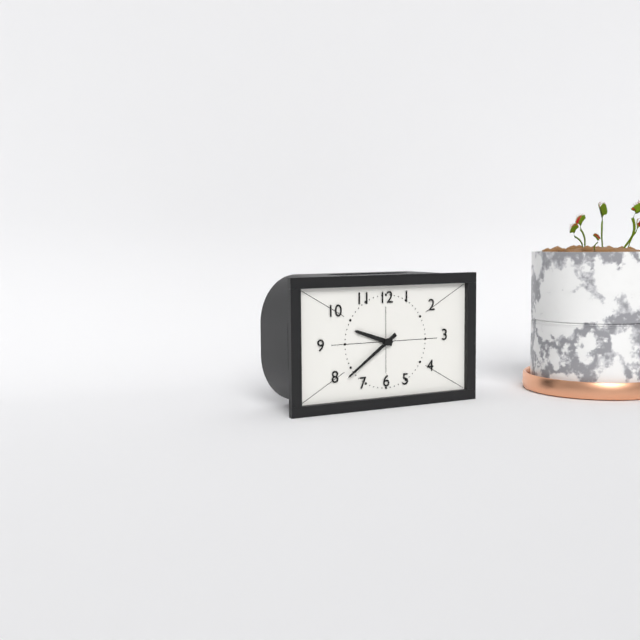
9:39
